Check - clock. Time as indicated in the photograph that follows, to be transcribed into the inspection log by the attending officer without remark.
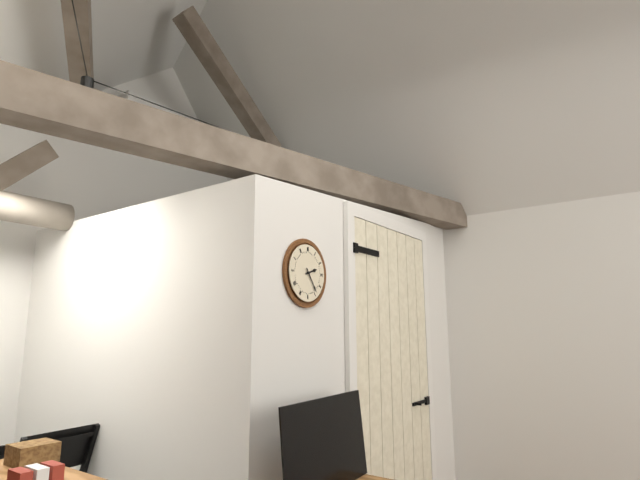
2:24
